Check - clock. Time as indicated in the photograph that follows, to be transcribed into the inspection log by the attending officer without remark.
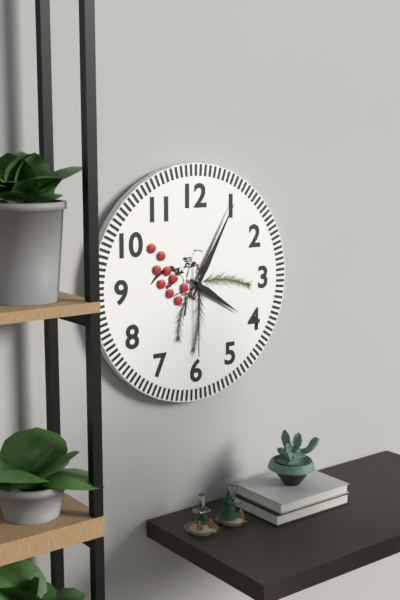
4:05:30
